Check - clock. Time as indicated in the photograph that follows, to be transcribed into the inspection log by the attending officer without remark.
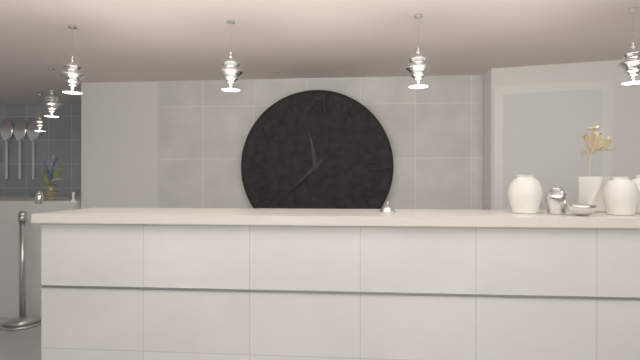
11:38
